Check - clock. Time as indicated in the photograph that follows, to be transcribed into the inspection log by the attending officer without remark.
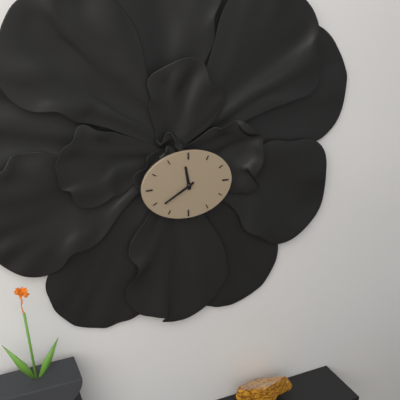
11:40
